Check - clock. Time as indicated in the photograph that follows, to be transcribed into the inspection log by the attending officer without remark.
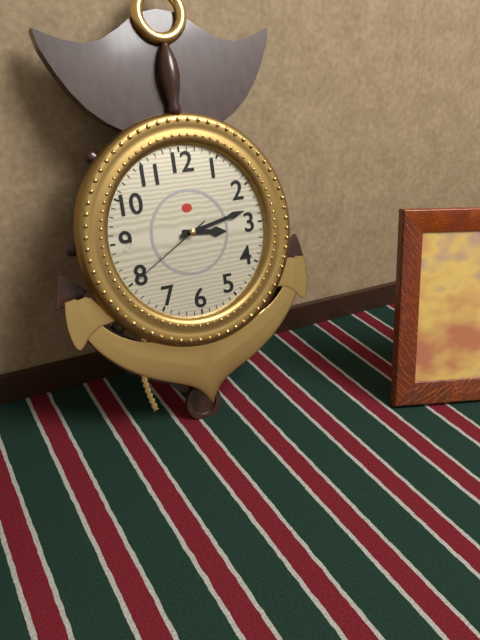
3:13:40
